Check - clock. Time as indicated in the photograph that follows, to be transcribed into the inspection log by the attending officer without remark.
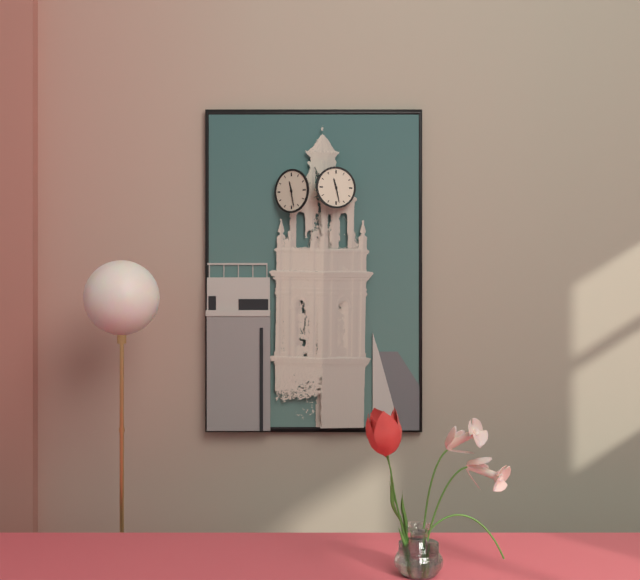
11:28
